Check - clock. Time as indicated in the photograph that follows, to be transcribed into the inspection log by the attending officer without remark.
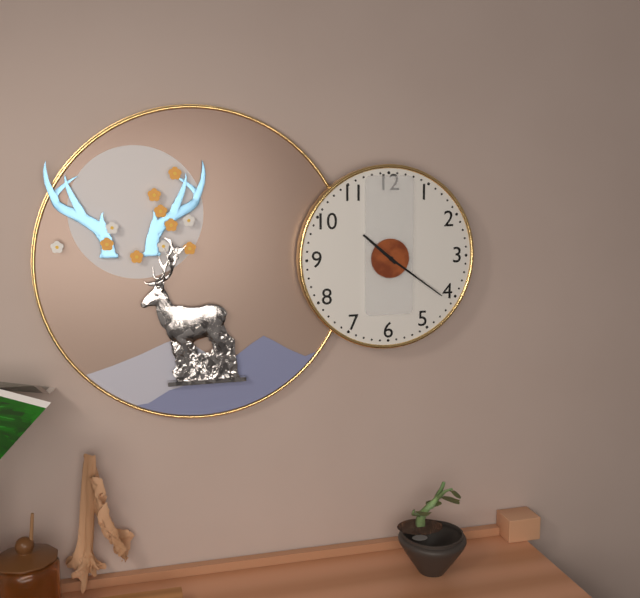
10:21
